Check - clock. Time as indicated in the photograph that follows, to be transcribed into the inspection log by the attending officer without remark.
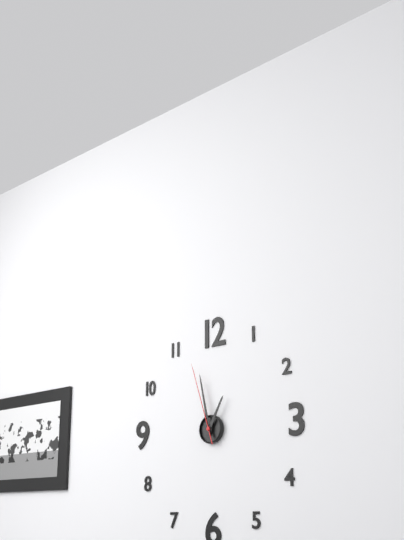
12:58:57
